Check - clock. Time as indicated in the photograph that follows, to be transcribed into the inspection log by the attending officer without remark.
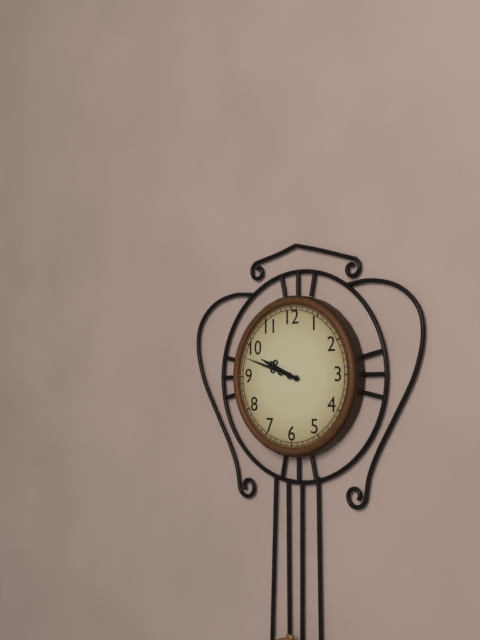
9:48
